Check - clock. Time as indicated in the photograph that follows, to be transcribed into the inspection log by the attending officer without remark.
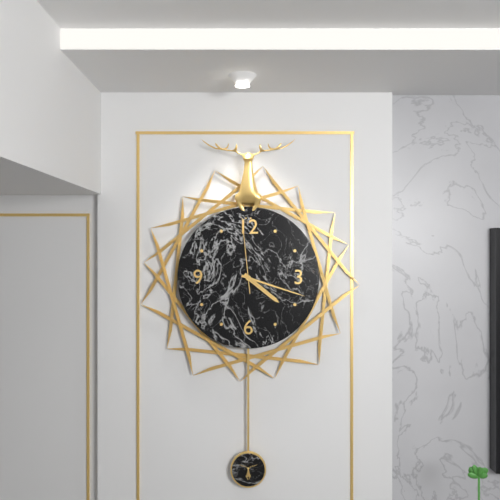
4:18:59
